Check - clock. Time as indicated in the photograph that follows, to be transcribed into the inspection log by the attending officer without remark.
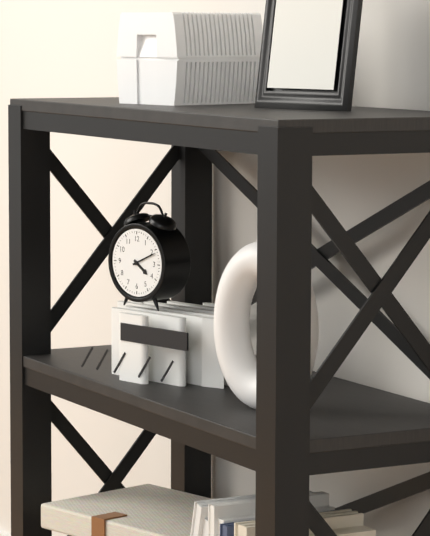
4:11
